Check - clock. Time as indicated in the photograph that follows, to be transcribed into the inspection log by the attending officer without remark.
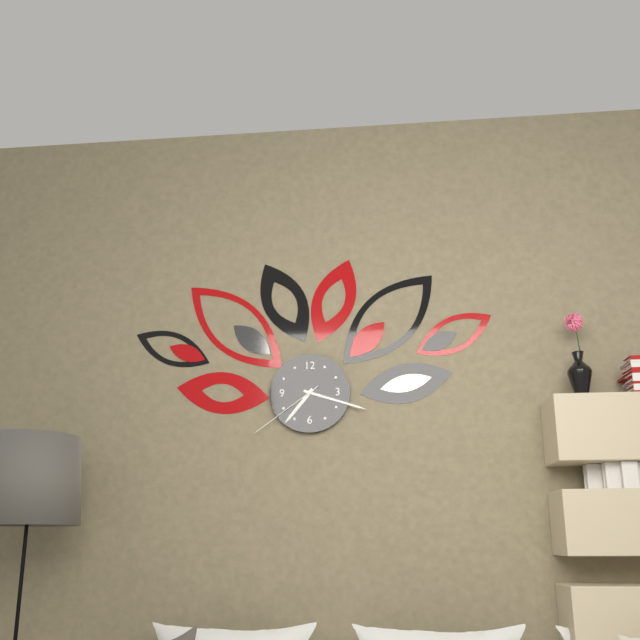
7:18:39
